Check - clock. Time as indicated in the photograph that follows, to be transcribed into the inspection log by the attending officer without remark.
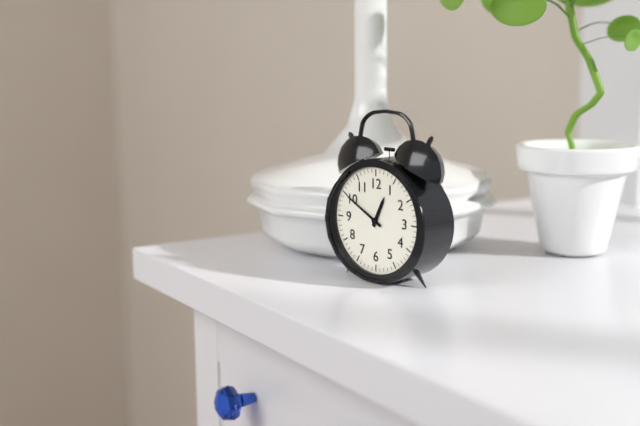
12:50
